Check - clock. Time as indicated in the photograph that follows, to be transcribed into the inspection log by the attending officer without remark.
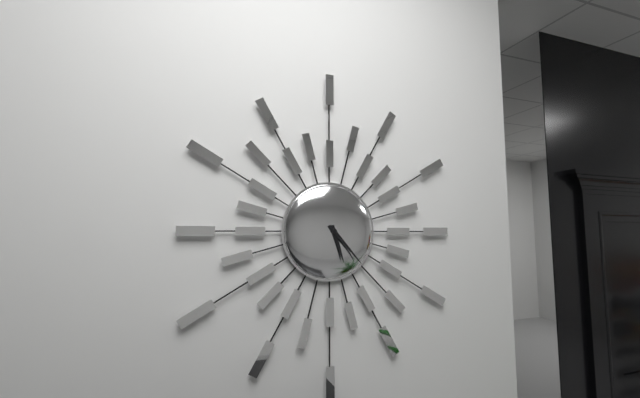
5:23
